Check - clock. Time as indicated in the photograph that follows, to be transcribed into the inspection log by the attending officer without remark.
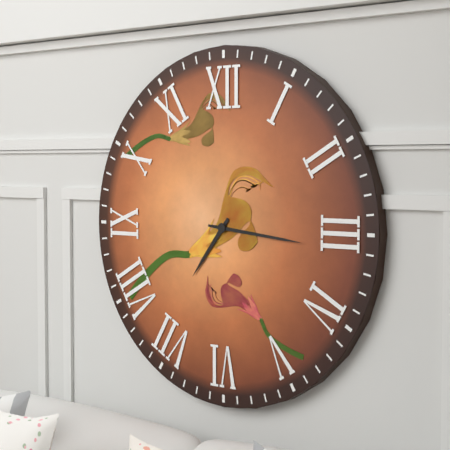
7:16
